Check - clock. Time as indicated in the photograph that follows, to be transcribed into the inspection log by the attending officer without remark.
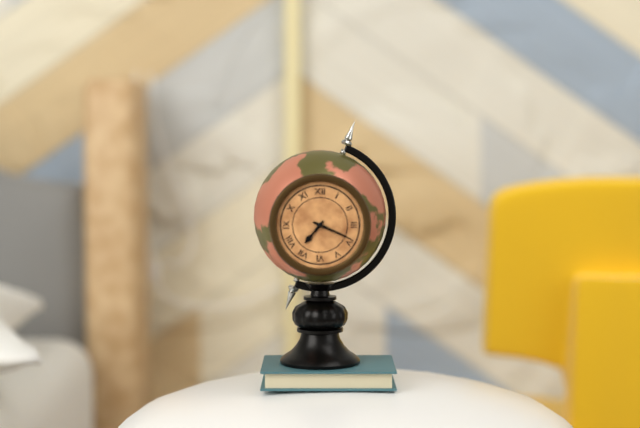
7:19
